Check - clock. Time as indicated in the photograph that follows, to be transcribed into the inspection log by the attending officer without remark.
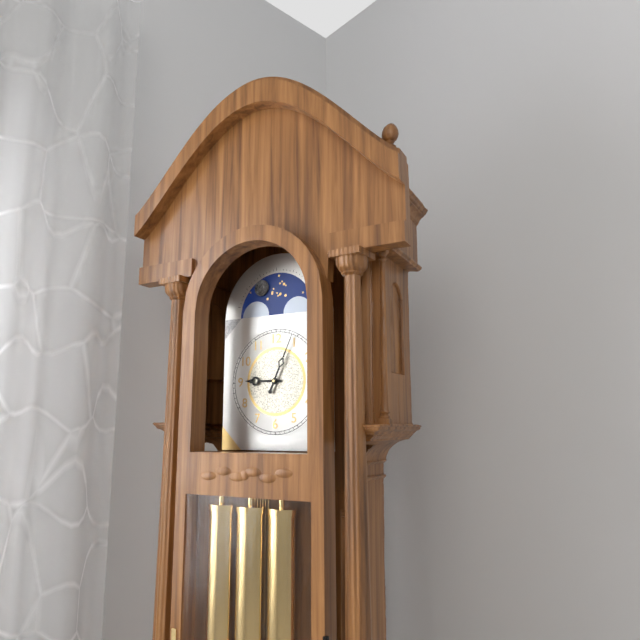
9:04
